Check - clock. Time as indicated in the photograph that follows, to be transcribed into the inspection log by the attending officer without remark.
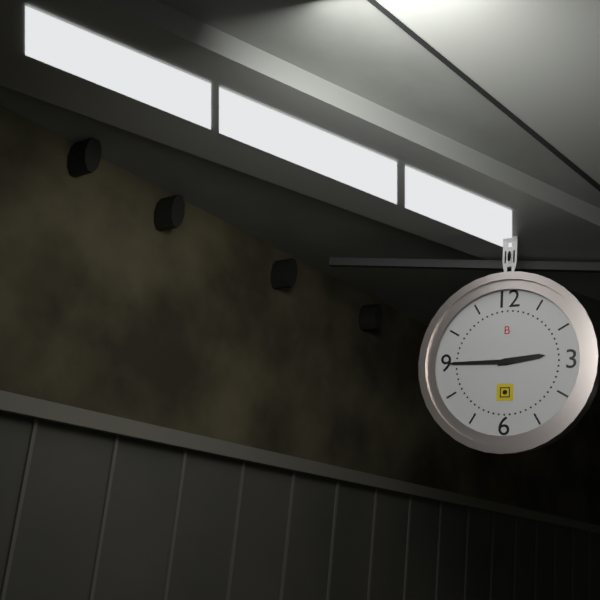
2:45
